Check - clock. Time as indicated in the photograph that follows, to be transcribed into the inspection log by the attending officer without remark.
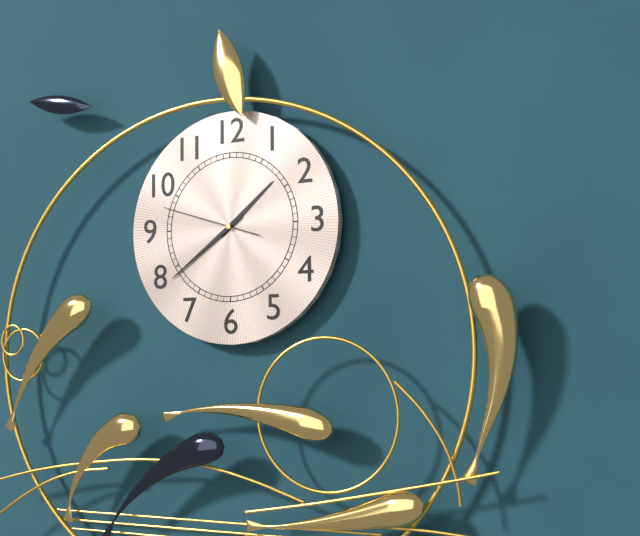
1:39:48
